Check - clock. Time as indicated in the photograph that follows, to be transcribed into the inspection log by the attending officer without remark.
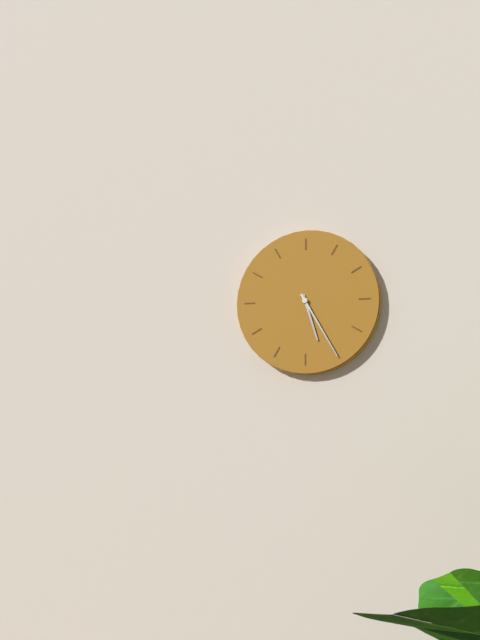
5:25
